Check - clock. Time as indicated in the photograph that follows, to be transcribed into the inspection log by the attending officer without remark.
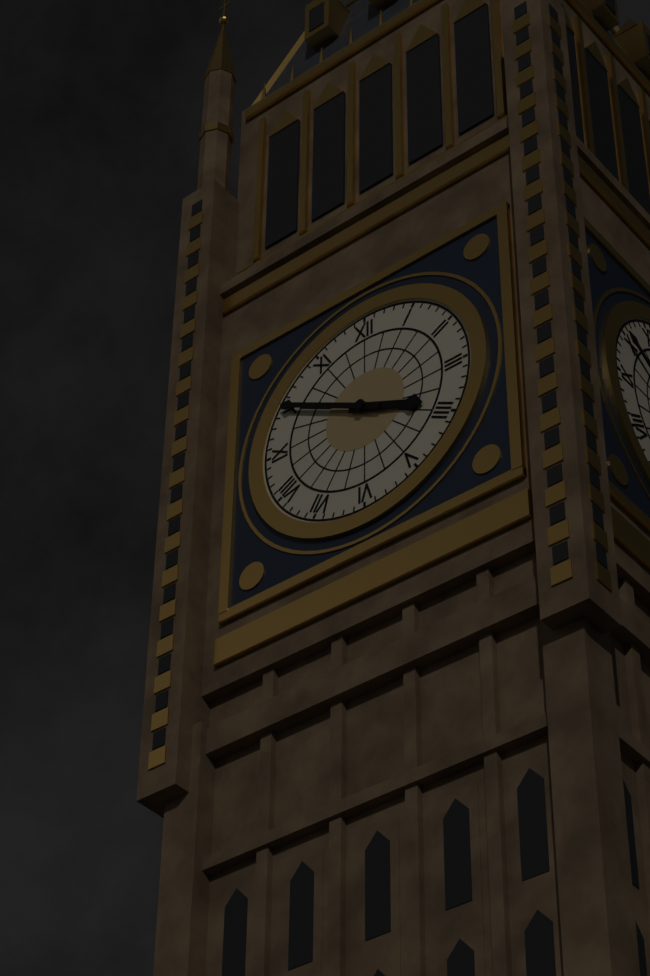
3:50
